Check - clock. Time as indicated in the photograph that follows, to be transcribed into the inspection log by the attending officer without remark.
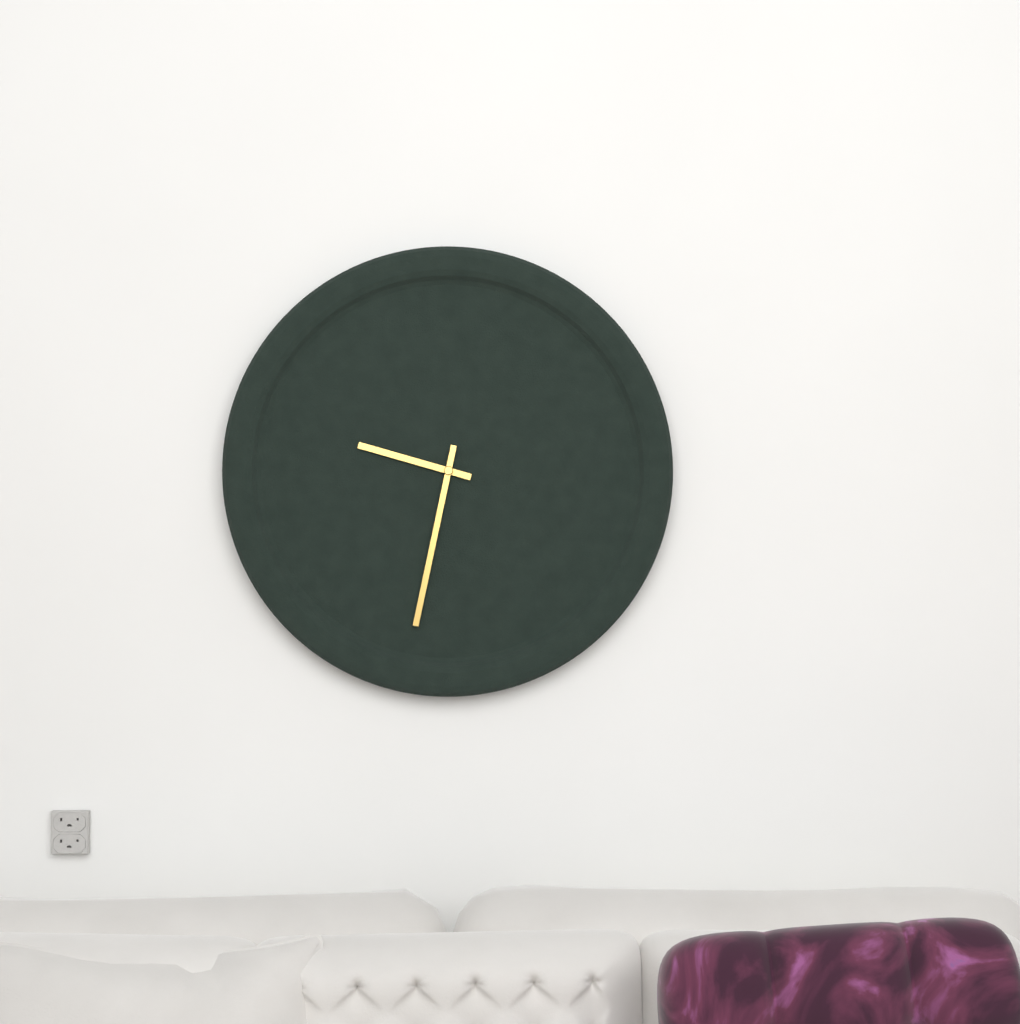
9:32
